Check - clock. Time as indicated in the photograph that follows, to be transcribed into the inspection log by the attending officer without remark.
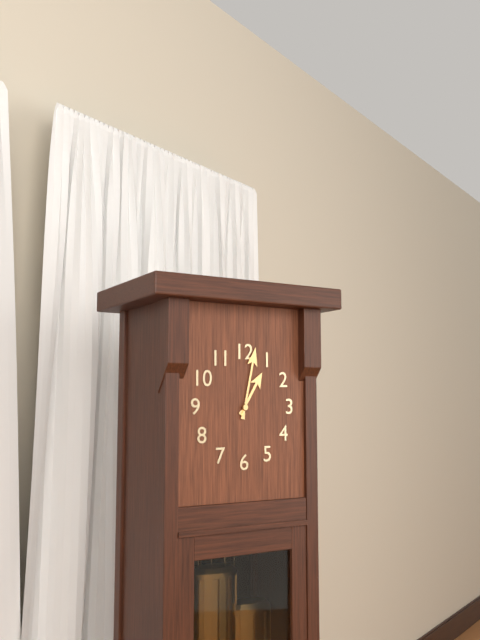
1:02
